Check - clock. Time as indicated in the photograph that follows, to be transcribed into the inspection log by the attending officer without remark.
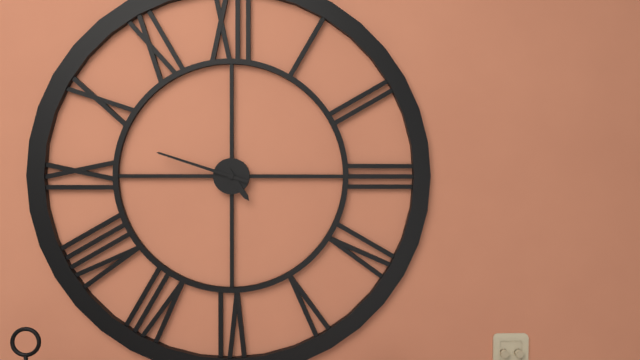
4:48
